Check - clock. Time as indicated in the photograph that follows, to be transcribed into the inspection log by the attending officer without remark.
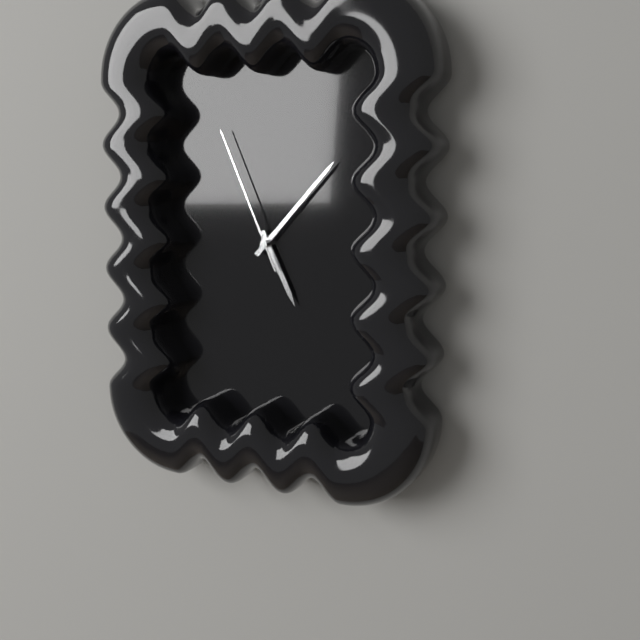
5:07:56
